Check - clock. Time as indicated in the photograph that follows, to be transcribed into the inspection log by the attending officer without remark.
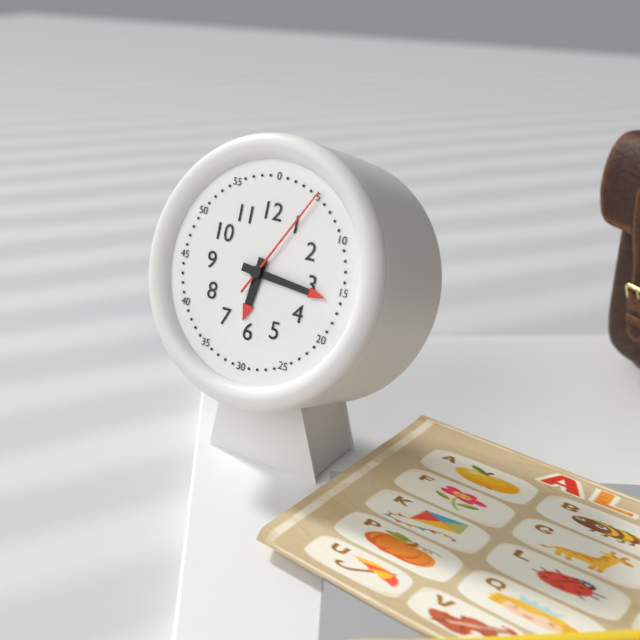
6:16:05
